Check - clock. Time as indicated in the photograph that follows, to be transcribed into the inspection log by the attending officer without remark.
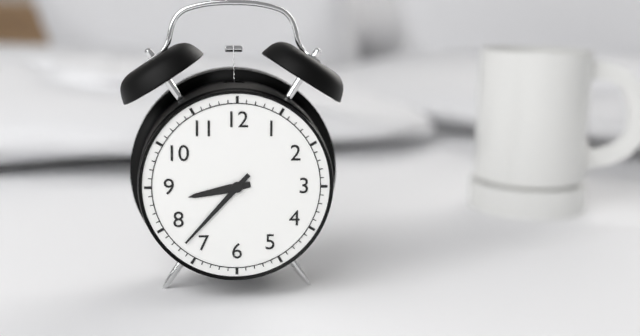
8:37
